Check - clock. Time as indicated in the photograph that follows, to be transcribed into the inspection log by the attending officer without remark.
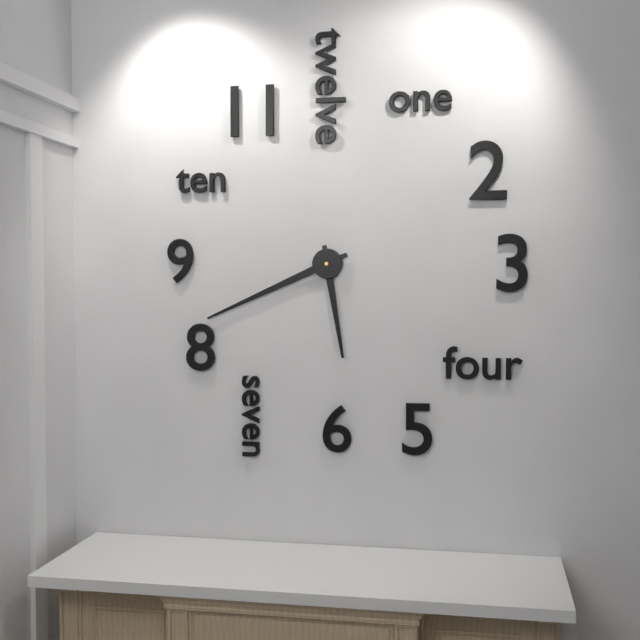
5:41
